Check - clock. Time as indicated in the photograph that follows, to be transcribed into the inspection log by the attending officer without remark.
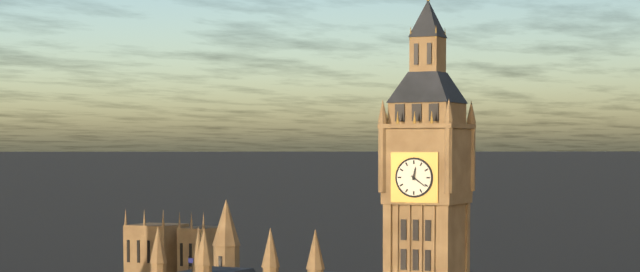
12:21
